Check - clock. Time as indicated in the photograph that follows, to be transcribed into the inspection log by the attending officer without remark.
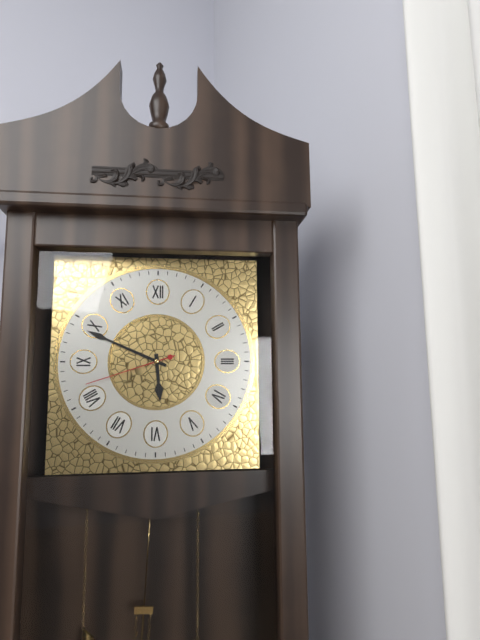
5:49:42
